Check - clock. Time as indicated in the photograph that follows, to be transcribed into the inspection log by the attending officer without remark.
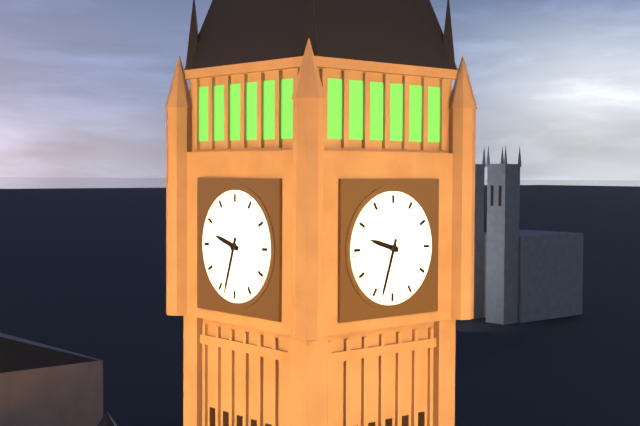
9:33
